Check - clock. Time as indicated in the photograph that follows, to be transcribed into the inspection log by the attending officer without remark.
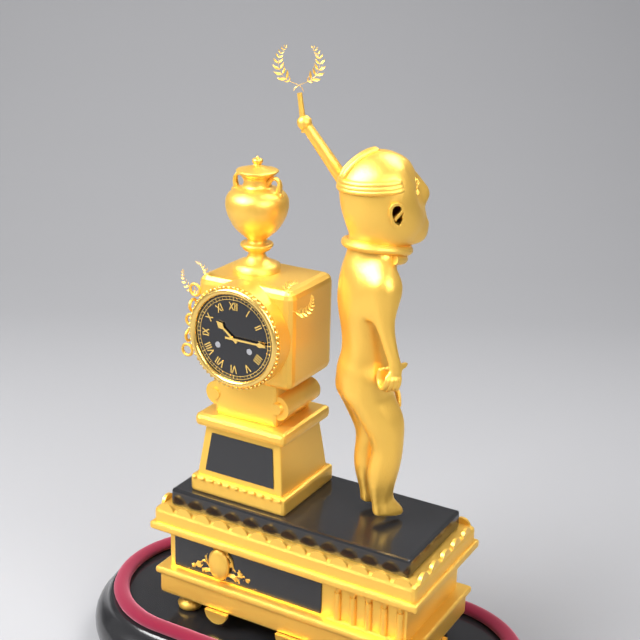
10:15
